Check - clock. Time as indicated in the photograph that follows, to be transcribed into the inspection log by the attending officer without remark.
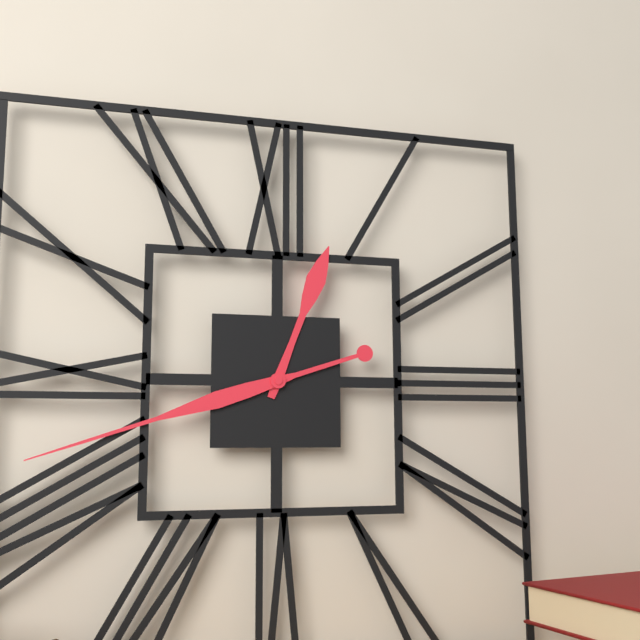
12:42
